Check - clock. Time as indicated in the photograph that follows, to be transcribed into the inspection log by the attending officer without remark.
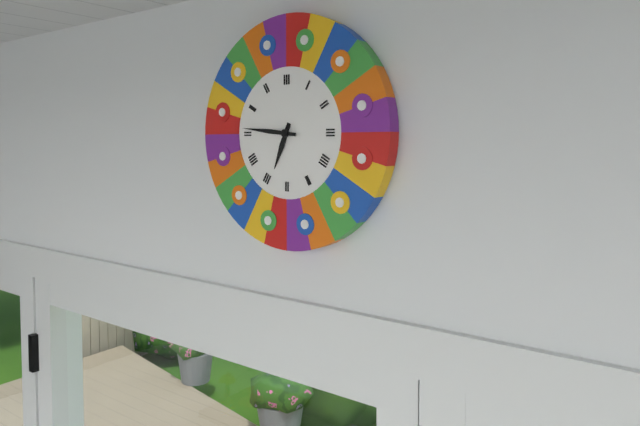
6:46
